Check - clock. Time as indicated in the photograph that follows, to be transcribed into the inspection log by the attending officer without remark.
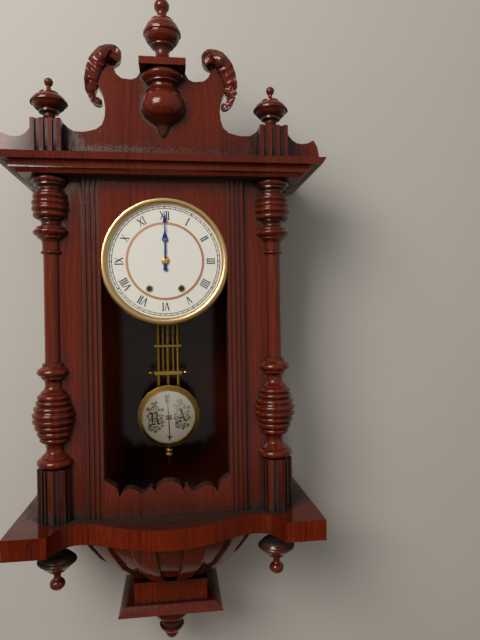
12:00
